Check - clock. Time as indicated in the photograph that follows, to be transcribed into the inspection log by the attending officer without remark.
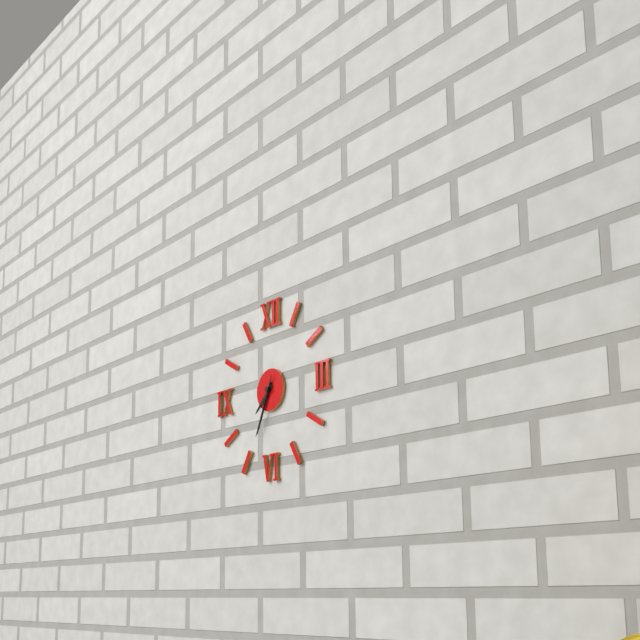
7:34:34
